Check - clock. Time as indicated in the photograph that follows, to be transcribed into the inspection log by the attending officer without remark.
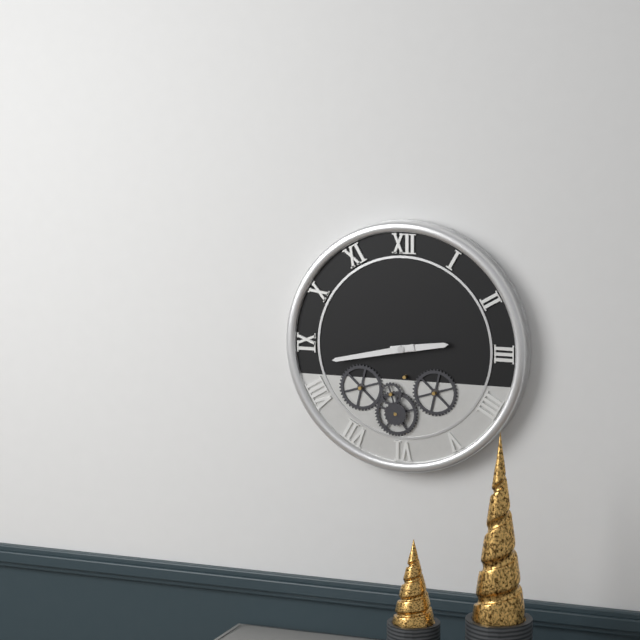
2:43
